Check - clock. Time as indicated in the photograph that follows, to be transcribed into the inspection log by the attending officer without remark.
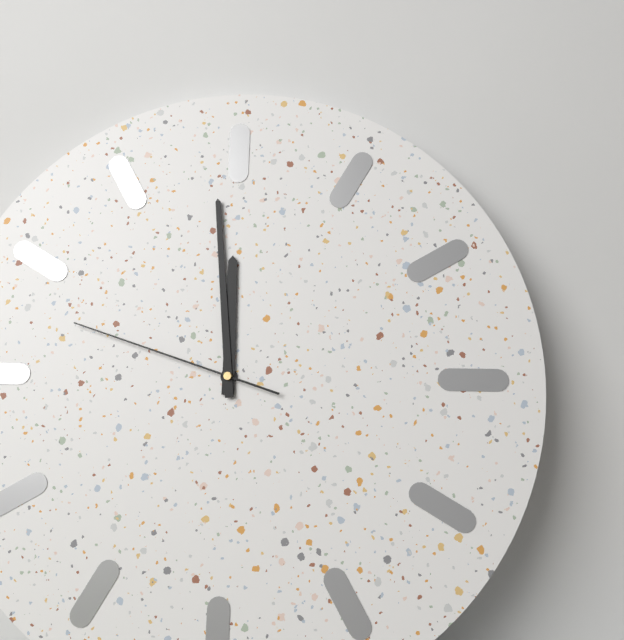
11:59:48
